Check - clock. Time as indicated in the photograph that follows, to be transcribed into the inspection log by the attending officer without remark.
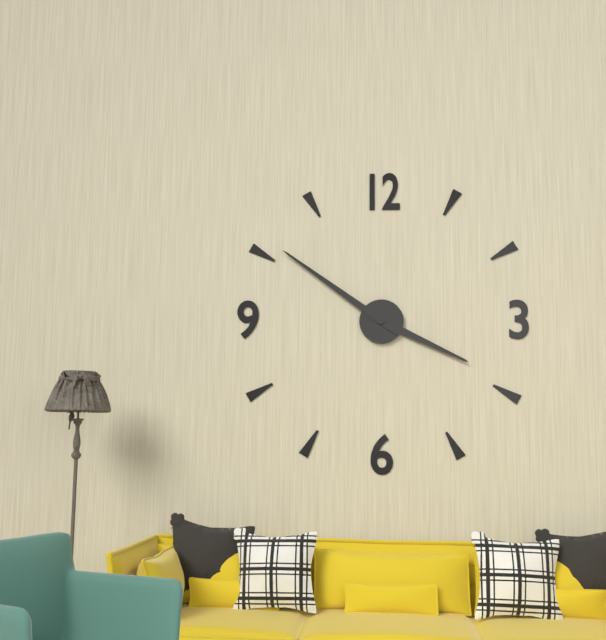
3:51
